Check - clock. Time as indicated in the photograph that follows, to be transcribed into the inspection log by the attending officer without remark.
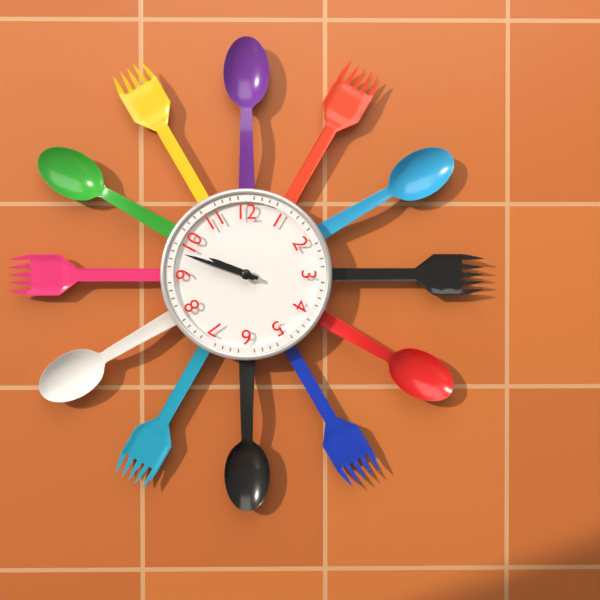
9:48
